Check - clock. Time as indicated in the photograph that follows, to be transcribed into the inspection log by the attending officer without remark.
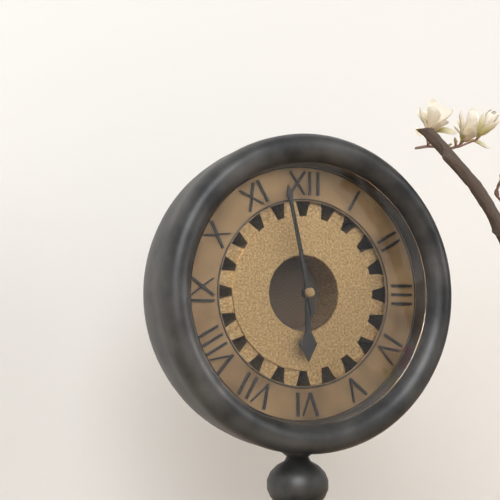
5:58
